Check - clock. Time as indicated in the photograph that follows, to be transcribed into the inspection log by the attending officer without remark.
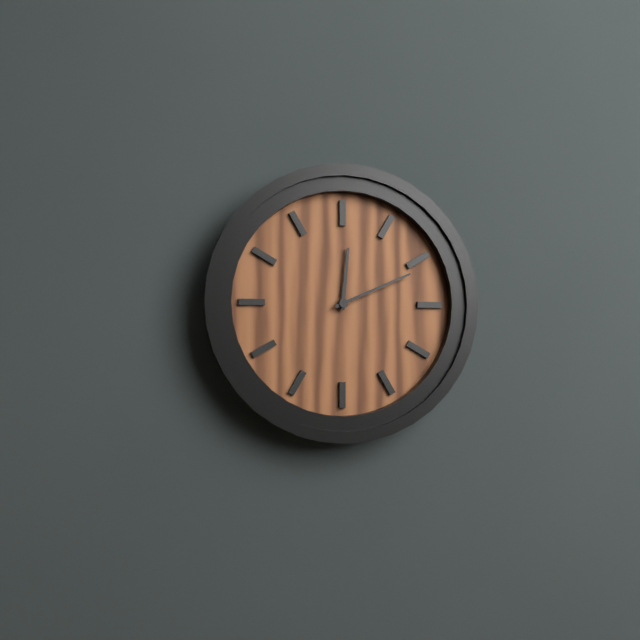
12:11
